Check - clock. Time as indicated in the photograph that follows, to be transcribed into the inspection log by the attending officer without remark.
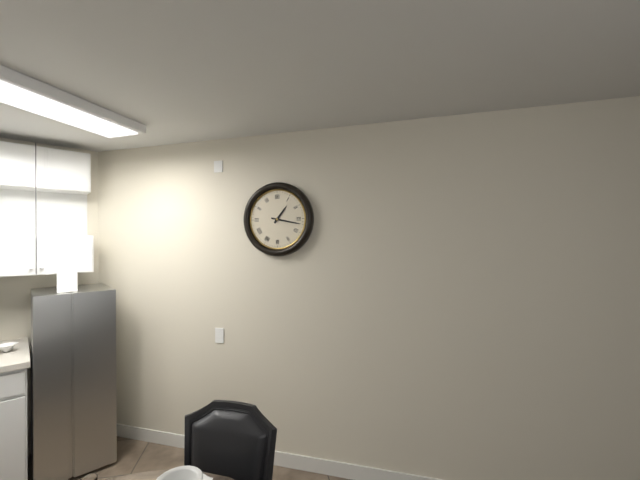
1:17
